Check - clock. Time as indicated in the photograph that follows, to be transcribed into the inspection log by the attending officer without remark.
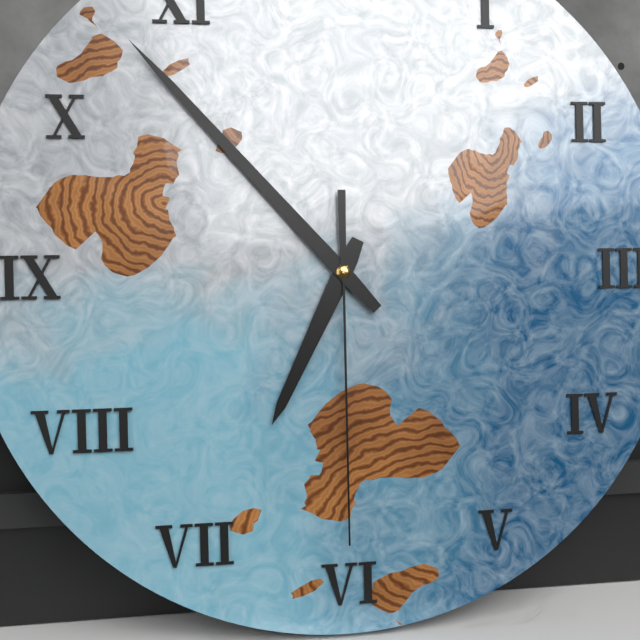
6:53:30
